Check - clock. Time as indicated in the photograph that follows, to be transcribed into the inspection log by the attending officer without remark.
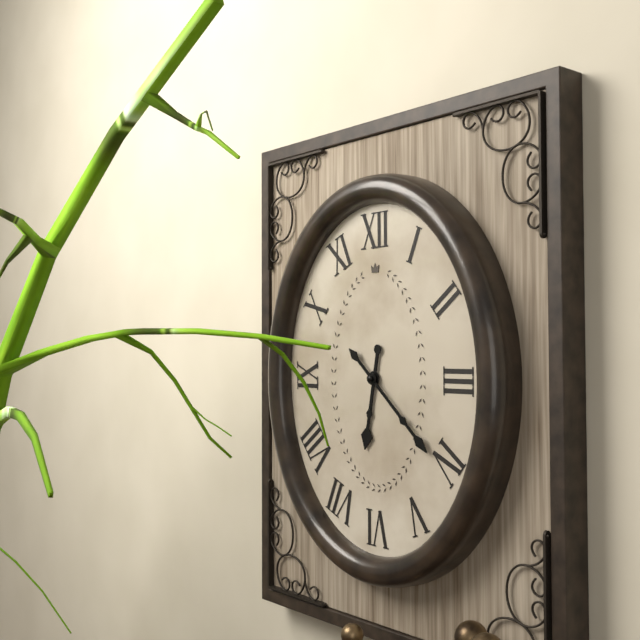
6:22
